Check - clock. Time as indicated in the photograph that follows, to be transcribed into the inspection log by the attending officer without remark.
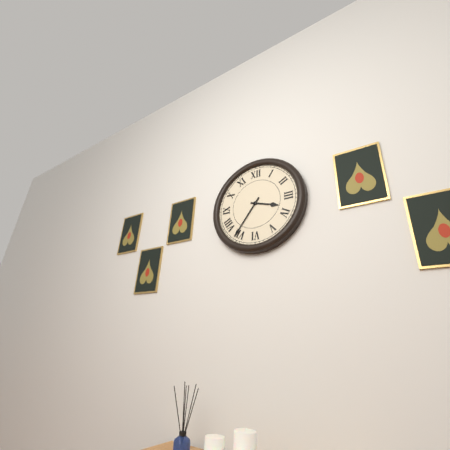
3:36
